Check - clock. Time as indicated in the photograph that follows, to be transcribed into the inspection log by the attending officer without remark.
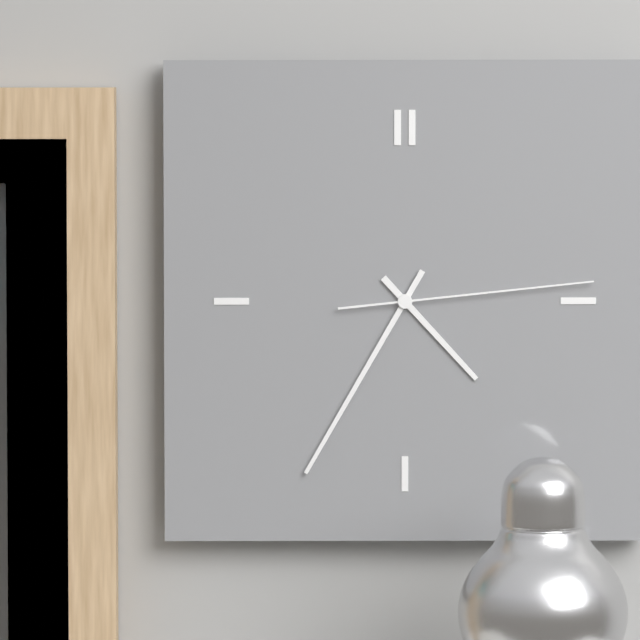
4:35:14
